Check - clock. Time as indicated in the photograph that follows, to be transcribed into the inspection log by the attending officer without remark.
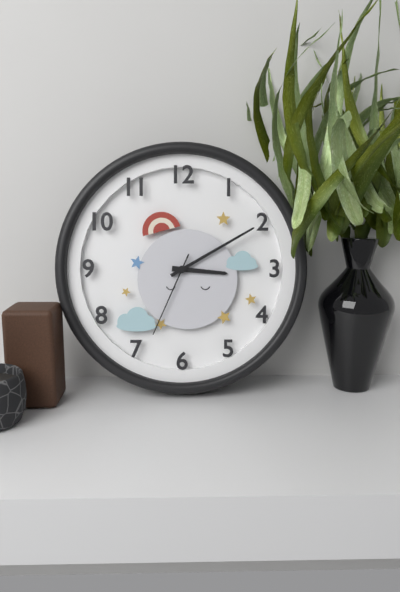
3:10:34
